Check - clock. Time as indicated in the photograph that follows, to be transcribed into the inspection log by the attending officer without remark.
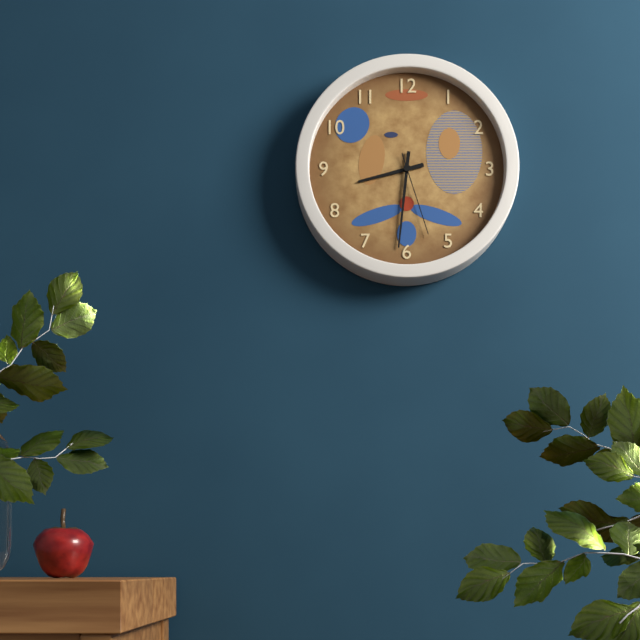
8:31:27
